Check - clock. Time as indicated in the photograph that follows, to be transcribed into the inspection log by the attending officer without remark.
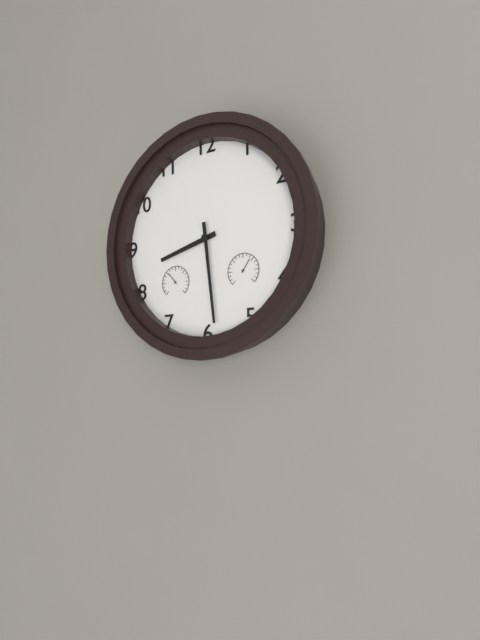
8:29
